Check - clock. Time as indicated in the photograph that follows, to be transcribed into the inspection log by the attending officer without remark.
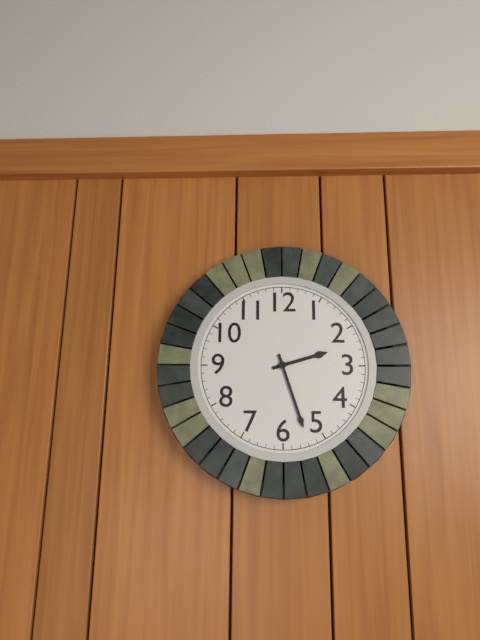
2:27
